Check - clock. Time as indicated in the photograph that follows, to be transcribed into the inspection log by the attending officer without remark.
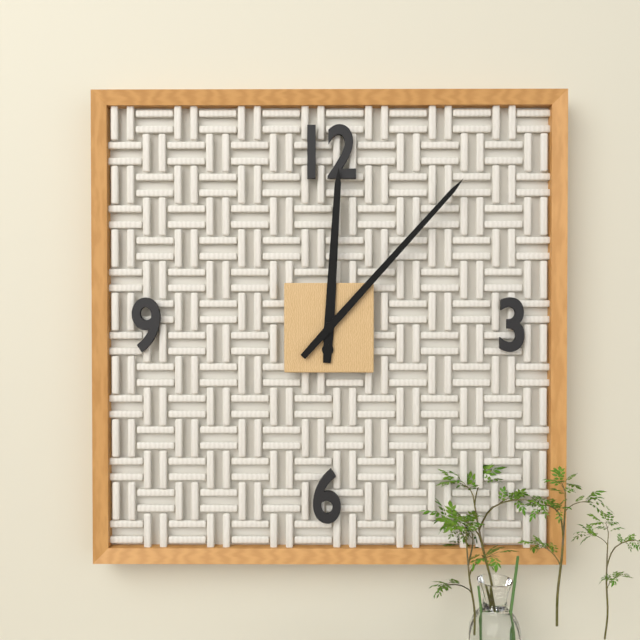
12:07
